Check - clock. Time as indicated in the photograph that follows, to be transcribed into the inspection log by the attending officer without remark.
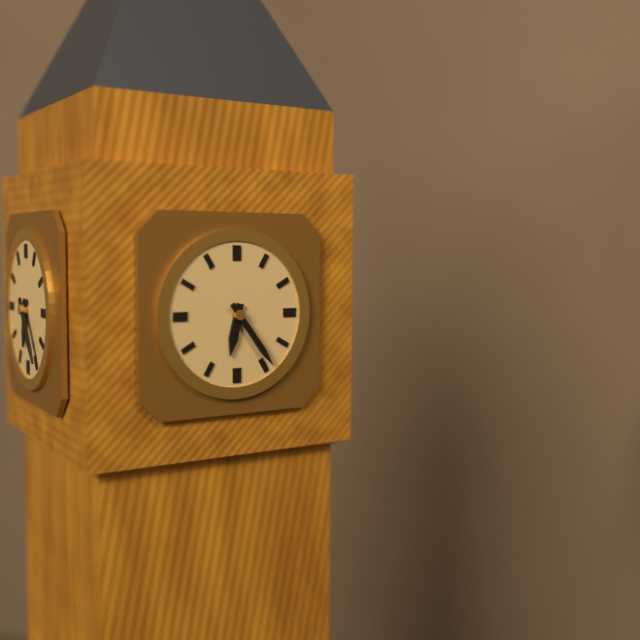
6:24
